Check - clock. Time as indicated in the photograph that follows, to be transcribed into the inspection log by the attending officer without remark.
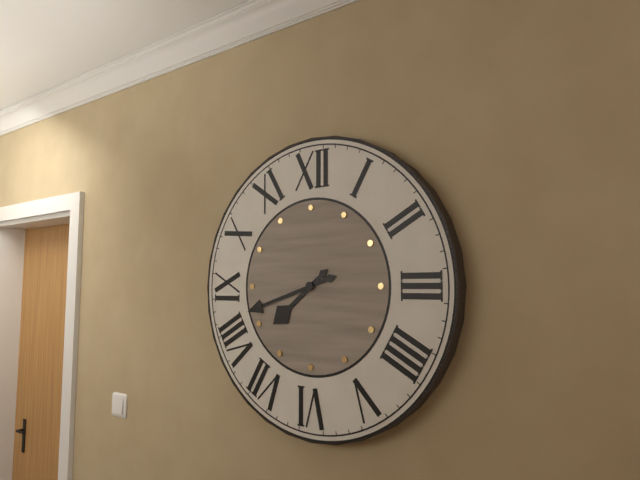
7:42
